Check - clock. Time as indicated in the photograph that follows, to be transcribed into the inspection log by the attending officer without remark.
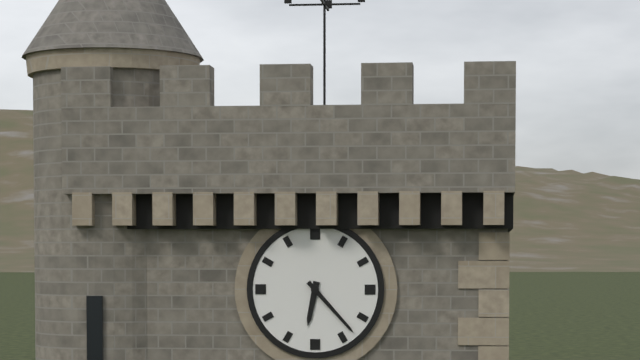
6:23
